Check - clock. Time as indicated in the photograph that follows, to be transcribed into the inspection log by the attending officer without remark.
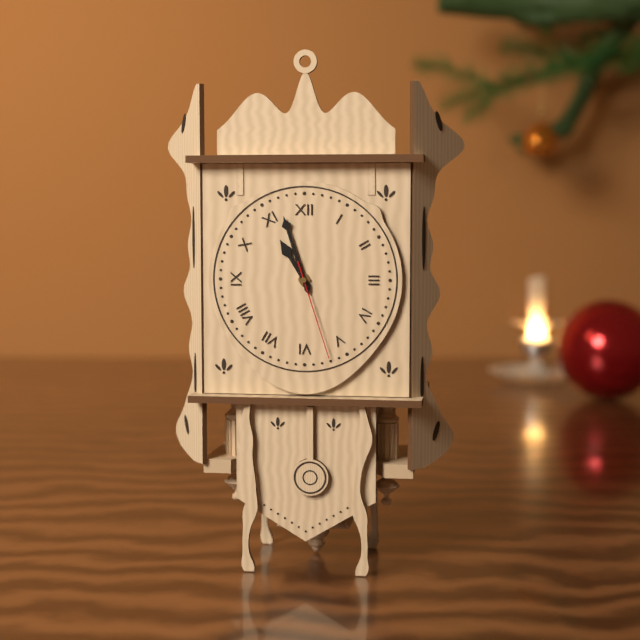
10:57:27
